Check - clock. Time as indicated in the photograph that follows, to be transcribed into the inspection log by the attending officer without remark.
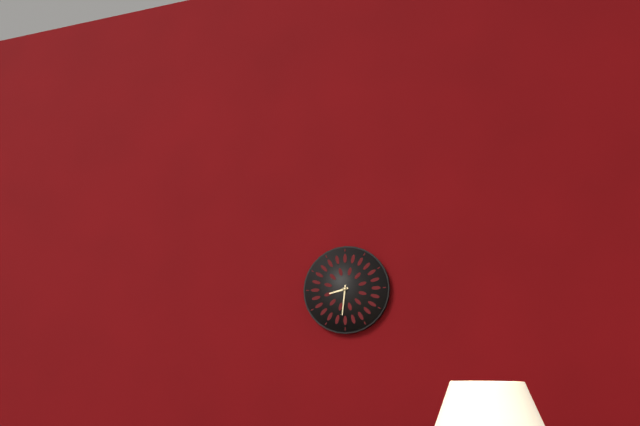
8:31
